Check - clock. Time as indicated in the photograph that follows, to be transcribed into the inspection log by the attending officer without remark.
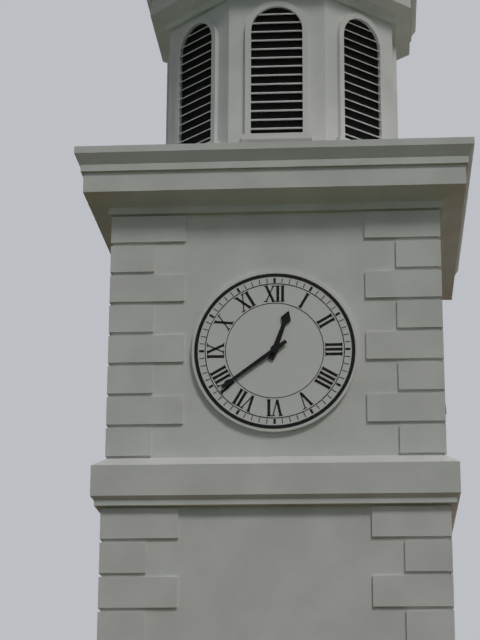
12:39
